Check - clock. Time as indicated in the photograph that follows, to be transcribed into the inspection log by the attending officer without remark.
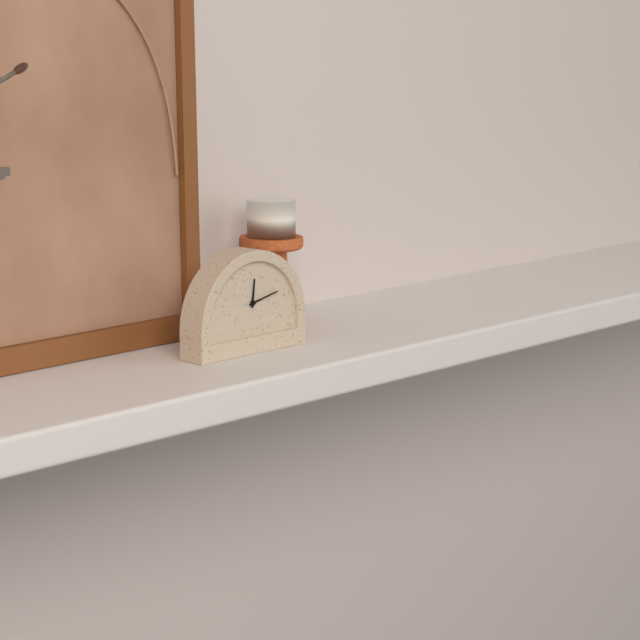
12:13
